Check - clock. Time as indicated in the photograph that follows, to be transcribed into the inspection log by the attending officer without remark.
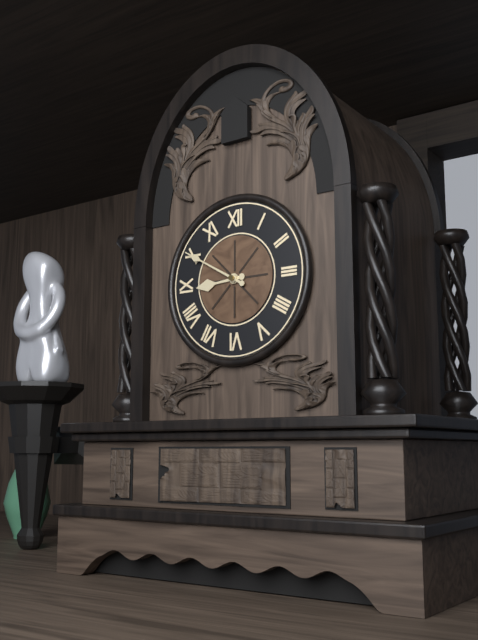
8:50
